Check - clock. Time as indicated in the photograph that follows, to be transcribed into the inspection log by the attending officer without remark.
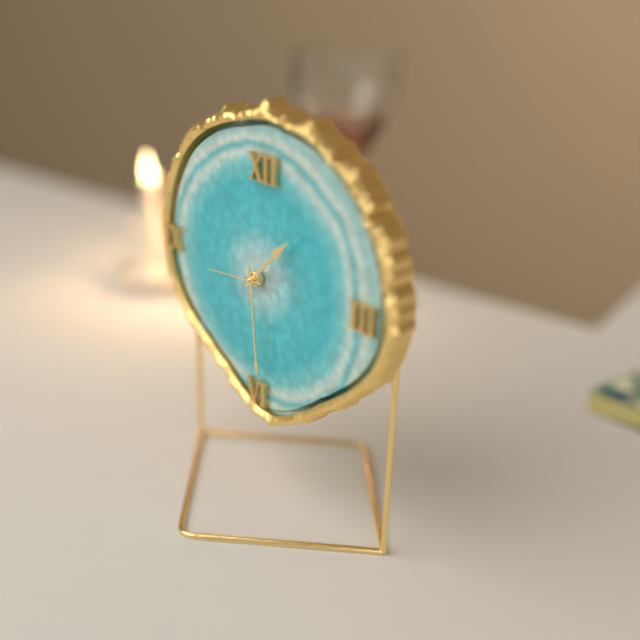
1:29:44
